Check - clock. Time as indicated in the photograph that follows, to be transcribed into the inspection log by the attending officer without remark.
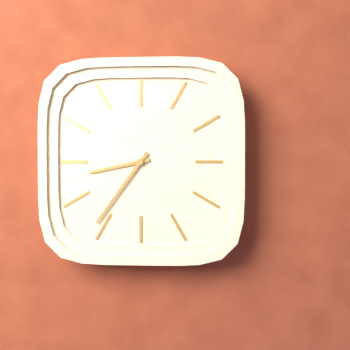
8:36
